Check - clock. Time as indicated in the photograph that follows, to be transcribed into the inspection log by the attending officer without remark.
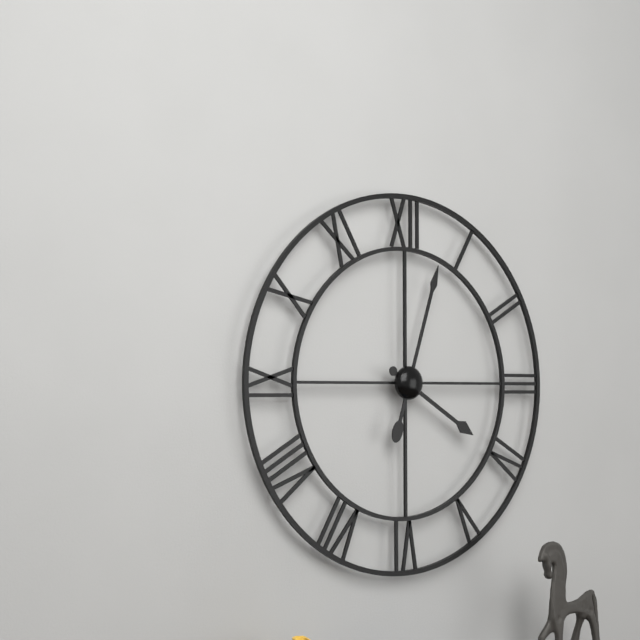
4:03
